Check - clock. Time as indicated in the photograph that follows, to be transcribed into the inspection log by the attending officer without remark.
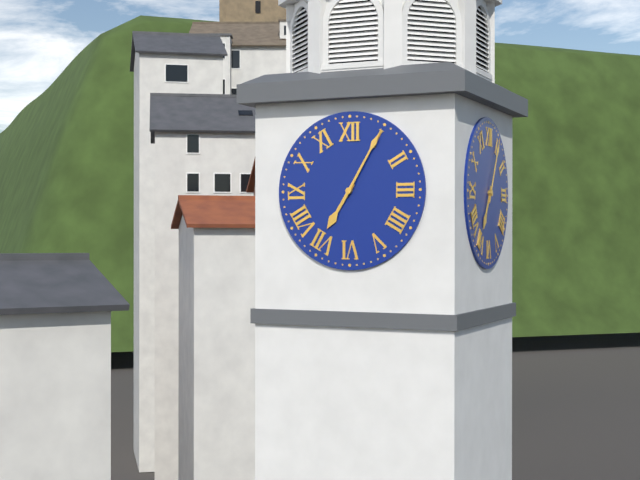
7:05
